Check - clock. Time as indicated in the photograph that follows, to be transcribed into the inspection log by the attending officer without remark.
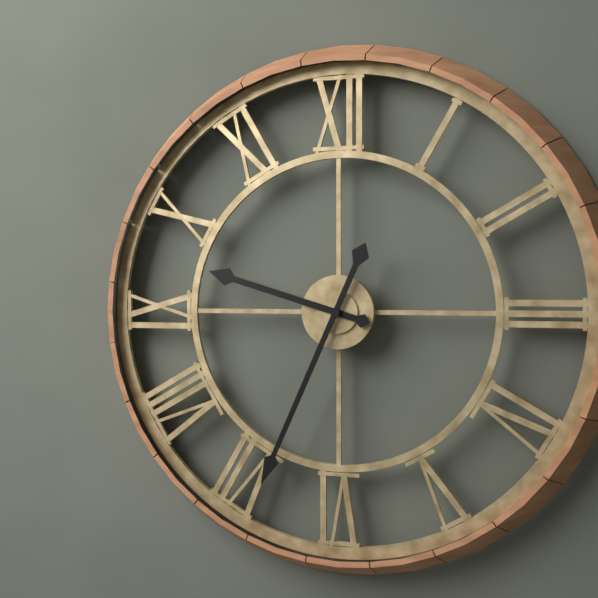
9:34
